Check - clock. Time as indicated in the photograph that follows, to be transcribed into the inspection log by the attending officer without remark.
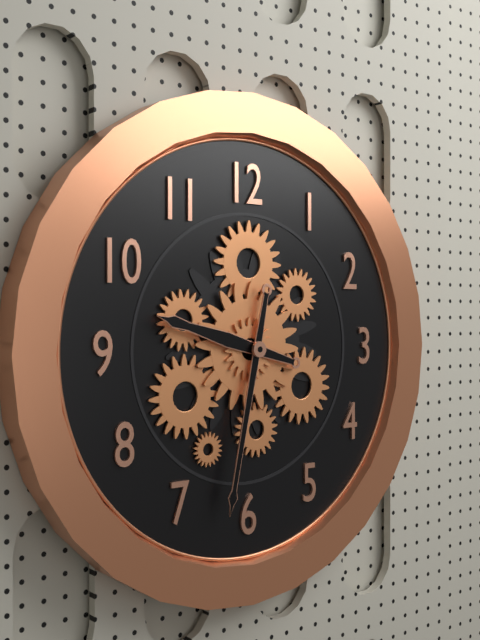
9:32
